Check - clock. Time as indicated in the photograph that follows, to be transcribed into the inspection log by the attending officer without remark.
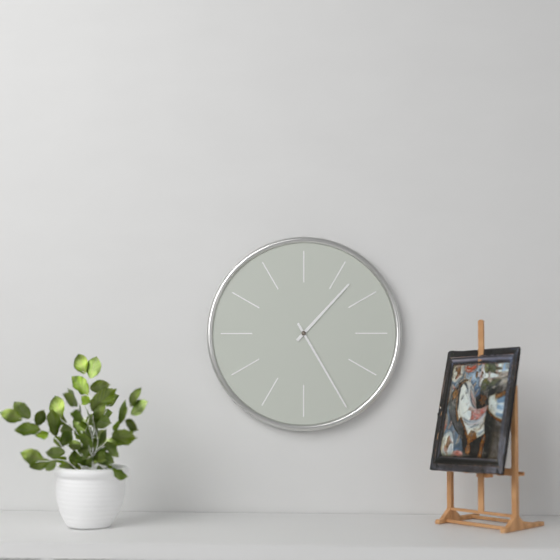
1:25
